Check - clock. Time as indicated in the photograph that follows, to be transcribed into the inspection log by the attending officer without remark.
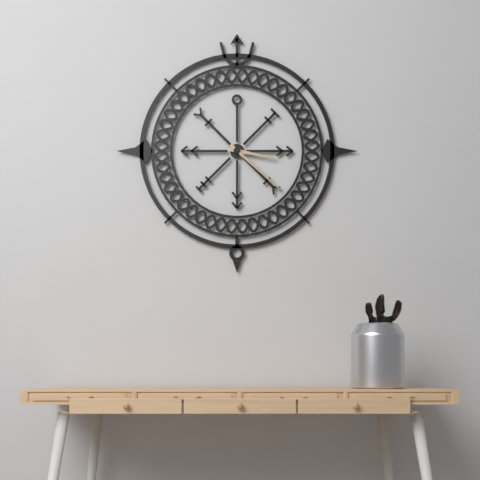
3:22
